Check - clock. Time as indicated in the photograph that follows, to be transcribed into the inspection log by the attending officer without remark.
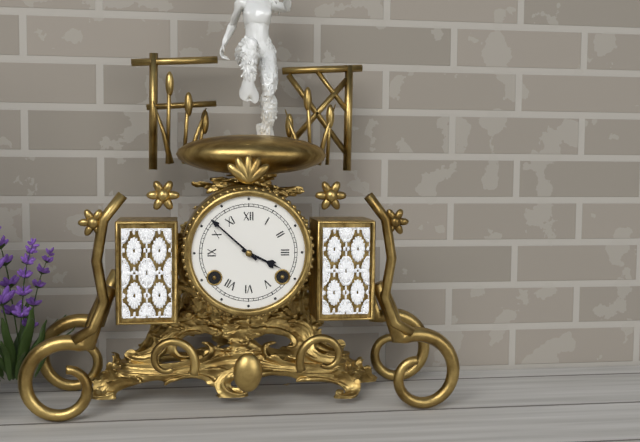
3:52
